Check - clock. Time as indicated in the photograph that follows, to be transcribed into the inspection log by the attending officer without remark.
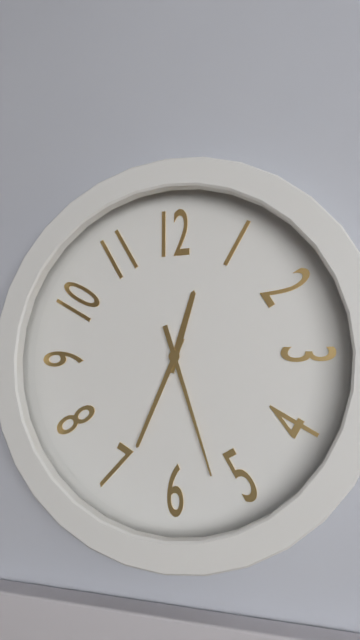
12:34:27
